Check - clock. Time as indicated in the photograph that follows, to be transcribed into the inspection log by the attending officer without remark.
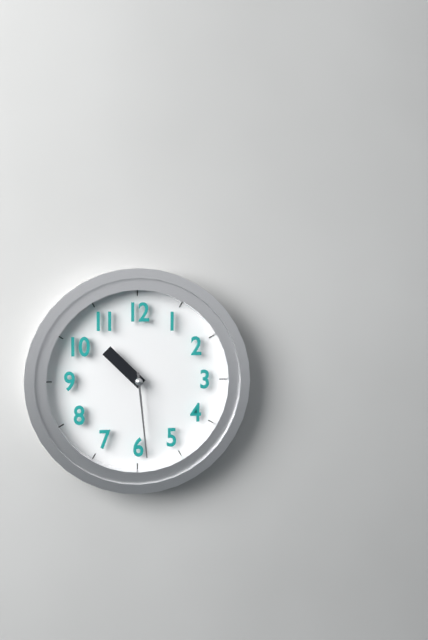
10:29
